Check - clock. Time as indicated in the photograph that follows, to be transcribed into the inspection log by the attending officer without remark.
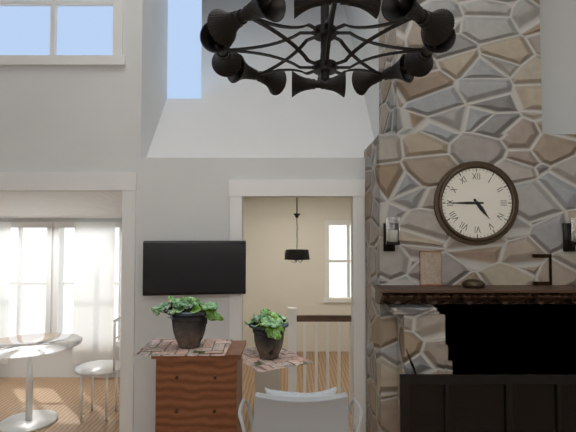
4:45
